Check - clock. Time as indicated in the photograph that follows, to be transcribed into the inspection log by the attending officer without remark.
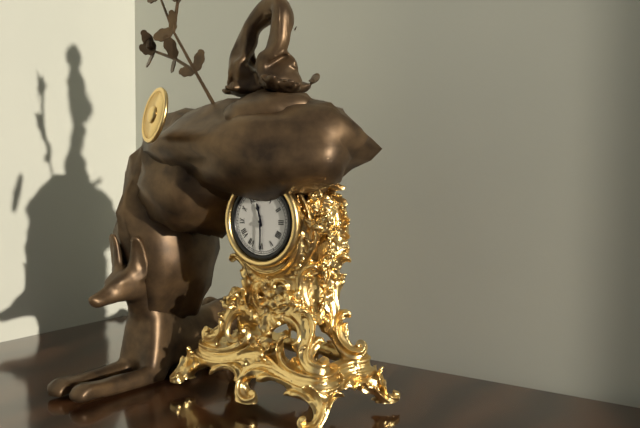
11:30
